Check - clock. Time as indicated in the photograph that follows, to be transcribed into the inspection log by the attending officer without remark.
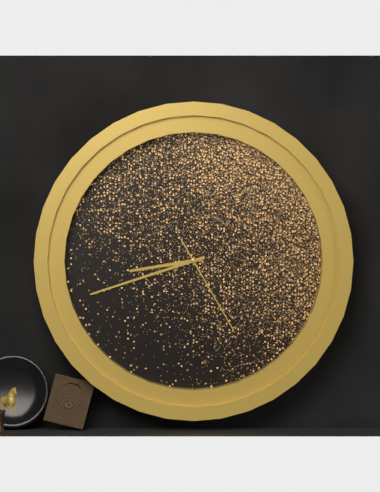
8:42:25
